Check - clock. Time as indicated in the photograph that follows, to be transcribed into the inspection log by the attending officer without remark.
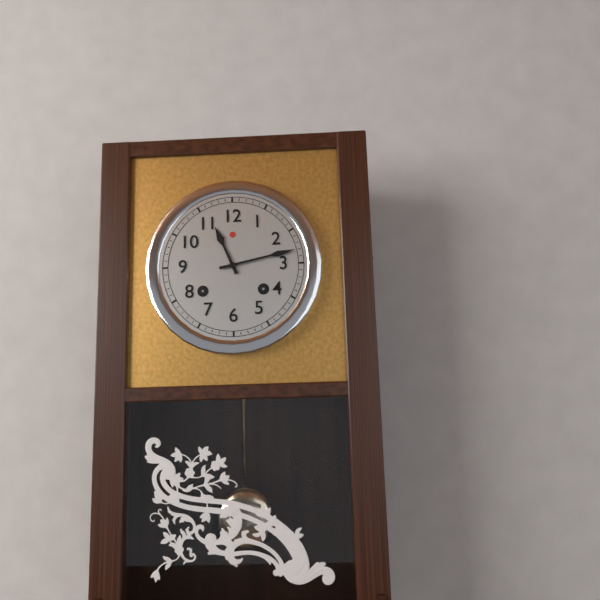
11:13
